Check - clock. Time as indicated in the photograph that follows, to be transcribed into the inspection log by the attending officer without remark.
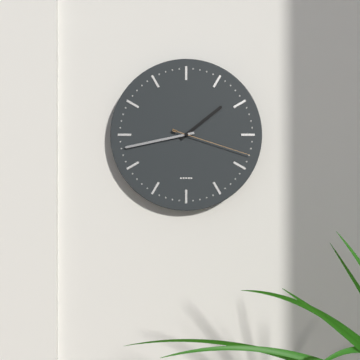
1:43:18
